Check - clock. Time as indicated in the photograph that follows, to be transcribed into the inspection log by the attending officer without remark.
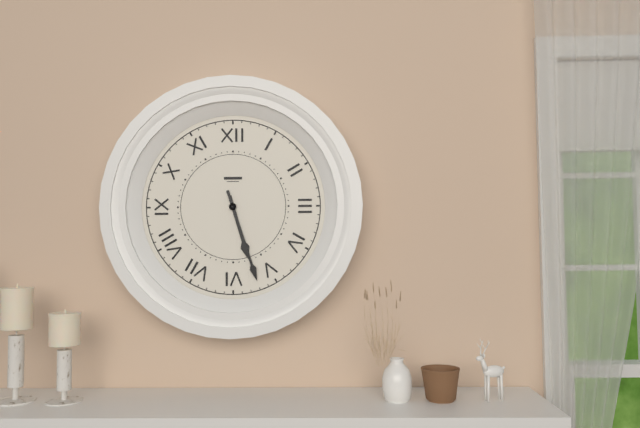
5:27
